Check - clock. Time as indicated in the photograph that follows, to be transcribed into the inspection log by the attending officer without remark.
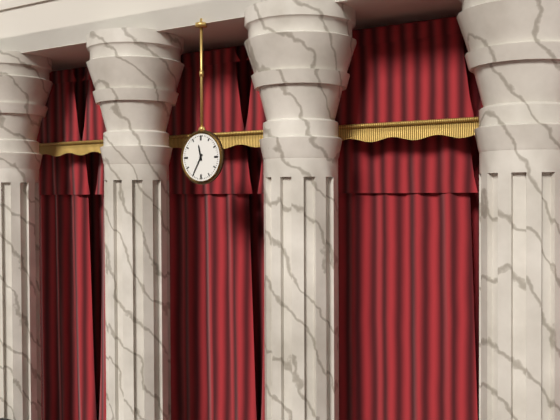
11:35
